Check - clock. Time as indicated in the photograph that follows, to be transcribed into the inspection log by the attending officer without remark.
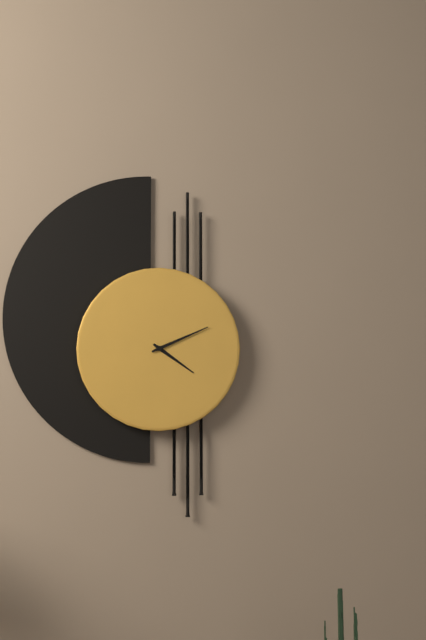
4:11
